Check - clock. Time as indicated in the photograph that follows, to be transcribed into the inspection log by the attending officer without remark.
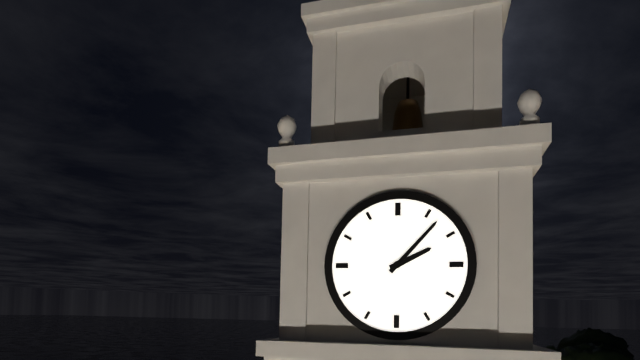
2:07
